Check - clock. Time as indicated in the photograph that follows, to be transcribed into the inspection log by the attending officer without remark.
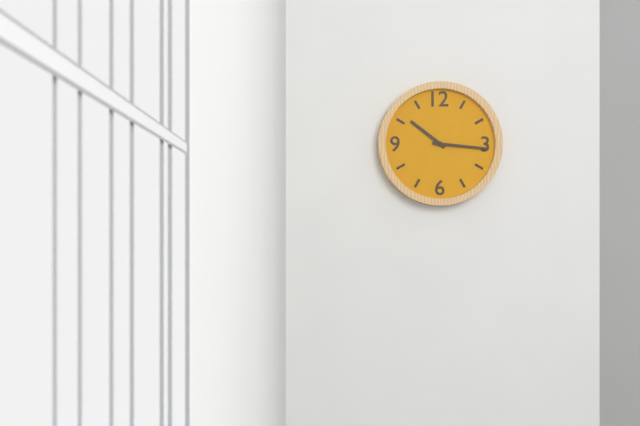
10:16
